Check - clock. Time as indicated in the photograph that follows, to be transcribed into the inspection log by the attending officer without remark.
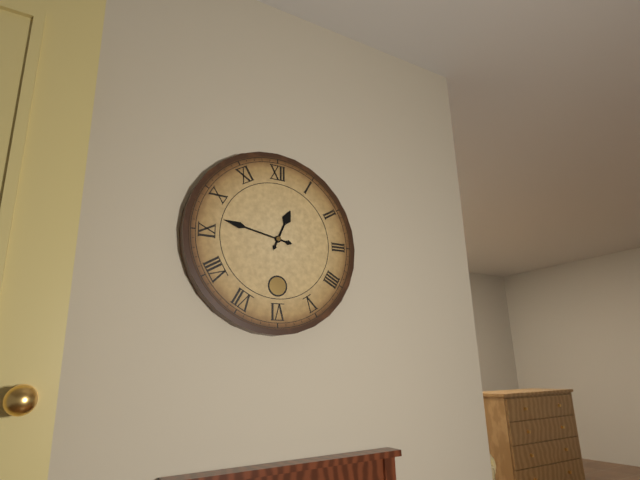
12:47
